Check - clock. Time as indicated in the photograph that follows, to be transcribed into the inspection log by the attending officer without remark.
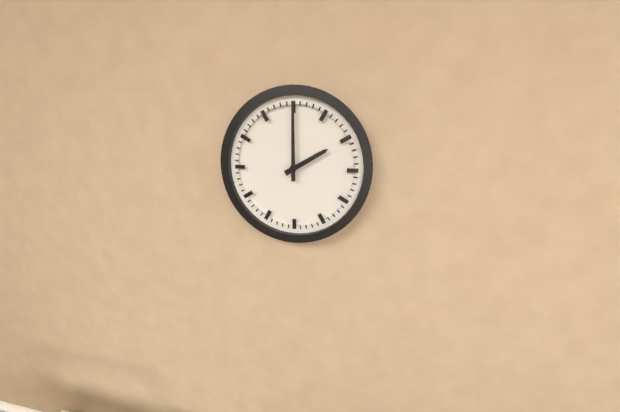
2:00
